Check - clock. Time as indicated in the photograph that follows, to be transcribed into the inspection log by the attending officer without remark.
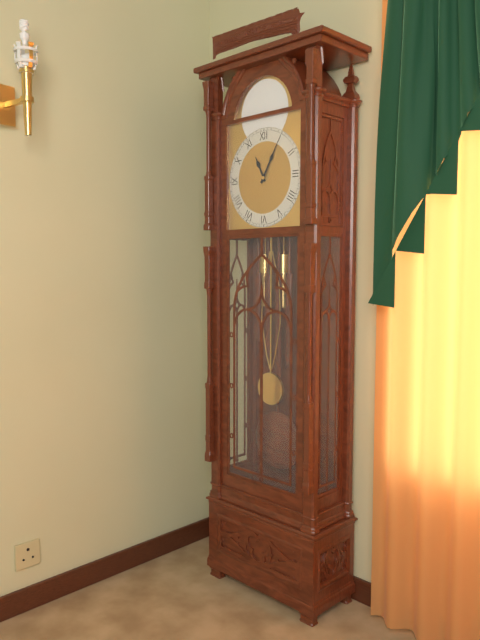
11:05
